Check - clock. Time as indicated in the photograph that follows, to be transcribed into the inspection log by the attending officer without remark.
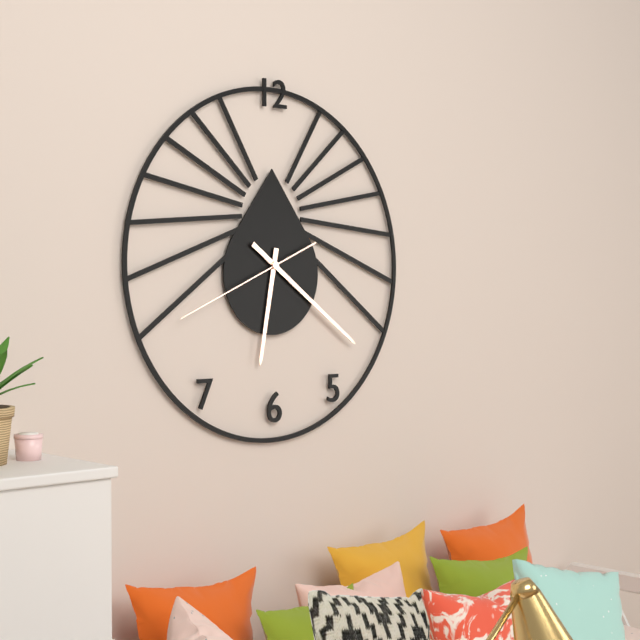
6:21:41
